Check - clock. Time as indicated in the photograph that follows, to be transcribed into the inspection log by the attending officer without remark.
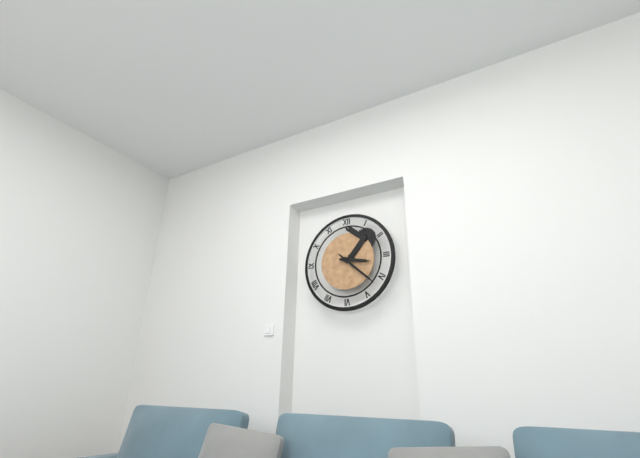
3:22
